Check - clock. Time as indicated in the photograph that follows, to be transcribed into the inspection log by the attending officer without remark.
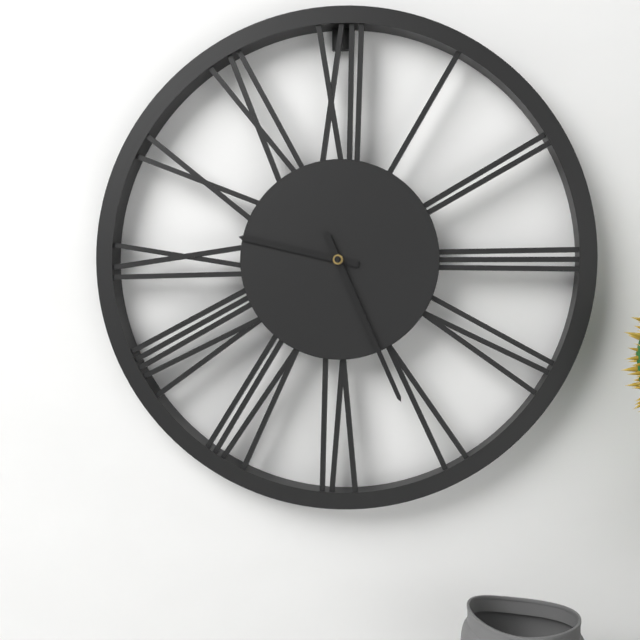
9:26
